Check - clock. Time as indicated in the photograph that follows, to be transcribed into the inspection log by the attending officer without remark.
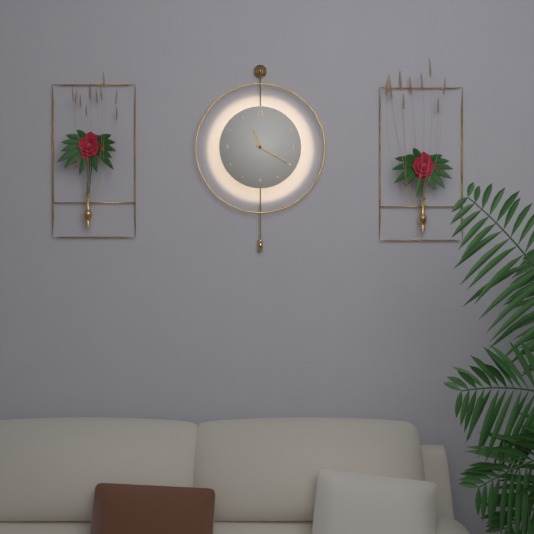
11:20
